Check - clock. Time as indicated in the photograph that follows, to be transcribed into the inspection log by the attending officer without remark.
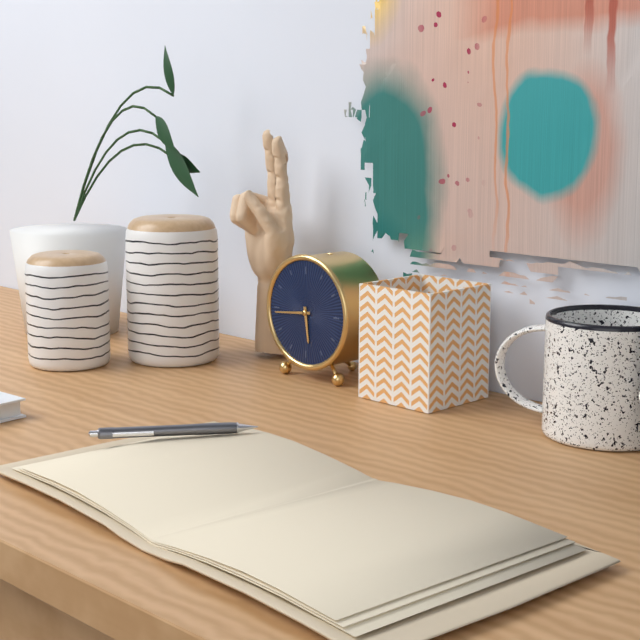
5:44
